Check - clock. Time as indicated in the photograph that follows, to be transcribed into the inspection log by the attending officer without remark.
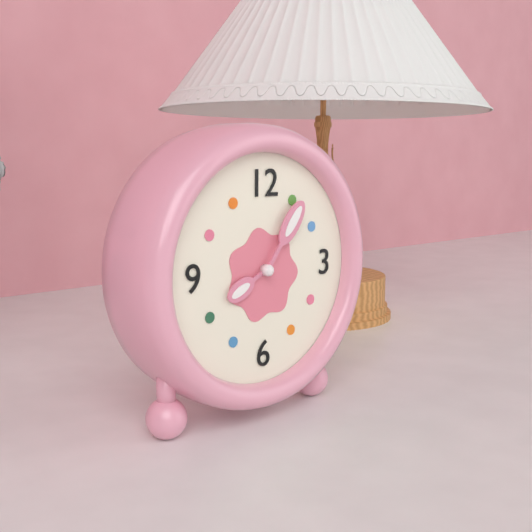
8:06
